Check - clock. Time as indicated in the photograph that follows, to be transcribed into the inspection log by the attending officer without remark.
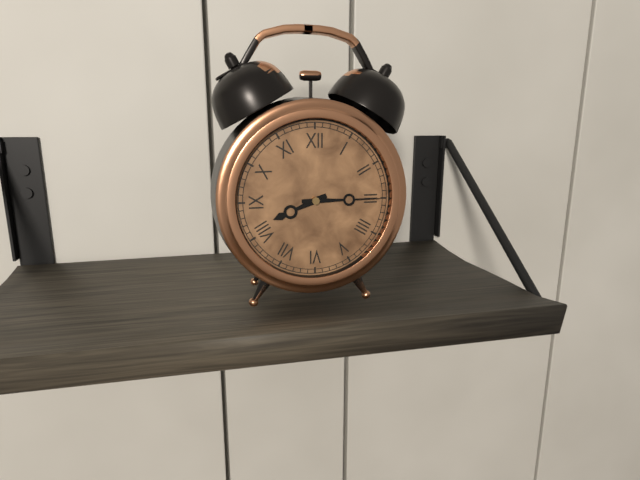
8:15
